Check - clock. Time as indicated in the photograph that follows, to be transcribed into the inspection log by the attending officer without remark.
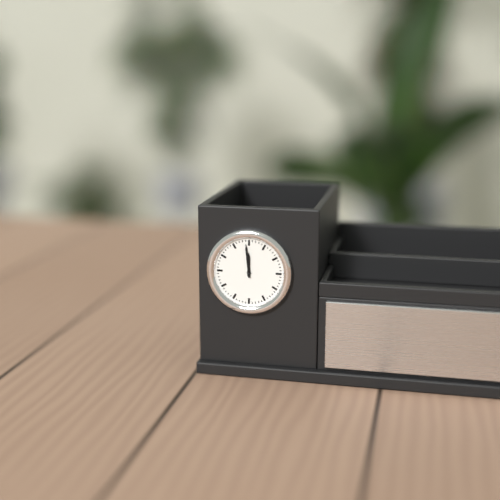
11:59
